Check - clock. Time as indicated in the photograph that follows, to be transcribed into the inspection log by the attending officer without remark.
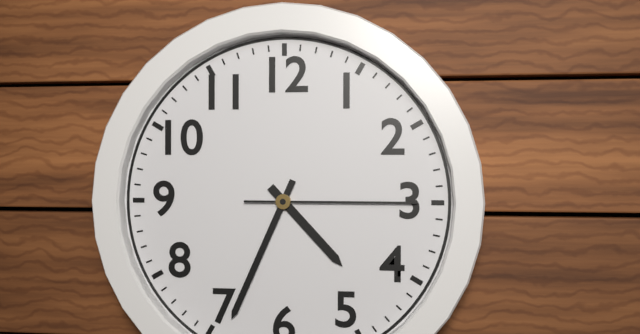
4:34:15
